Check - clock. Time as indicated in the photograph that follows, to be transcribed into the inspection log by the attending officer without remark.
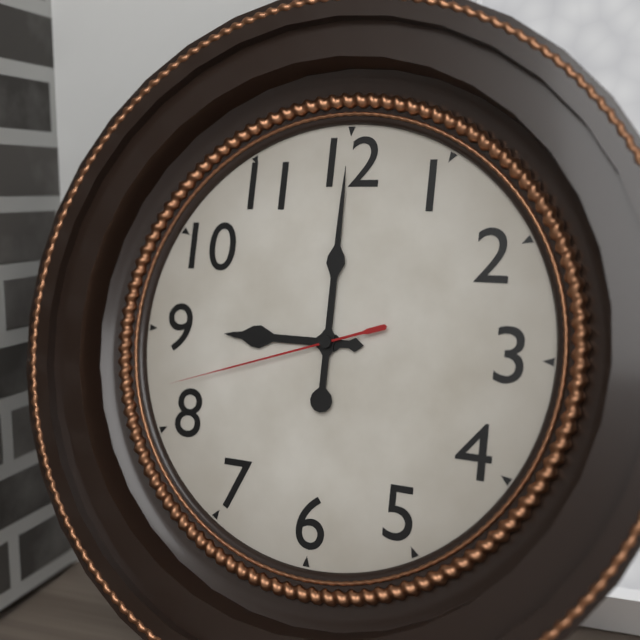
9:00:42
